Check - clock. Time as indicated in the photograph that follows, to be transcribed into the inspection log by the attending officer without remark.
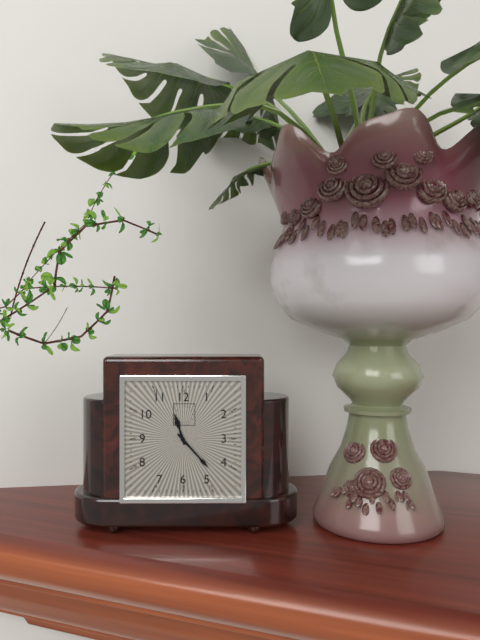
11:23
